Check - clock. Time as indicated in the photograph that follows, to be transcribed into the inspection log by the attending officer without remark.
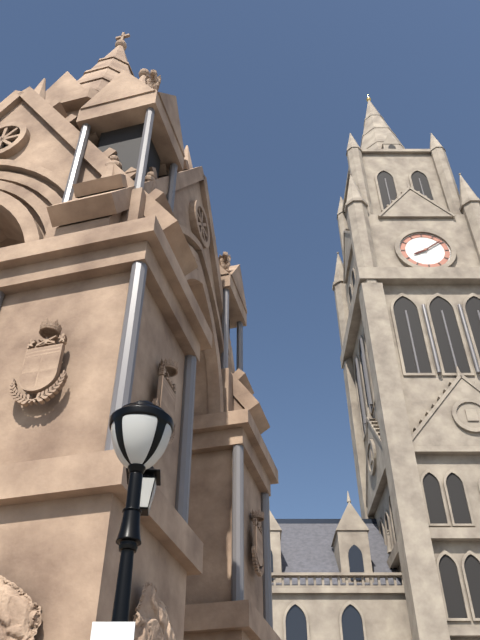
8:09
